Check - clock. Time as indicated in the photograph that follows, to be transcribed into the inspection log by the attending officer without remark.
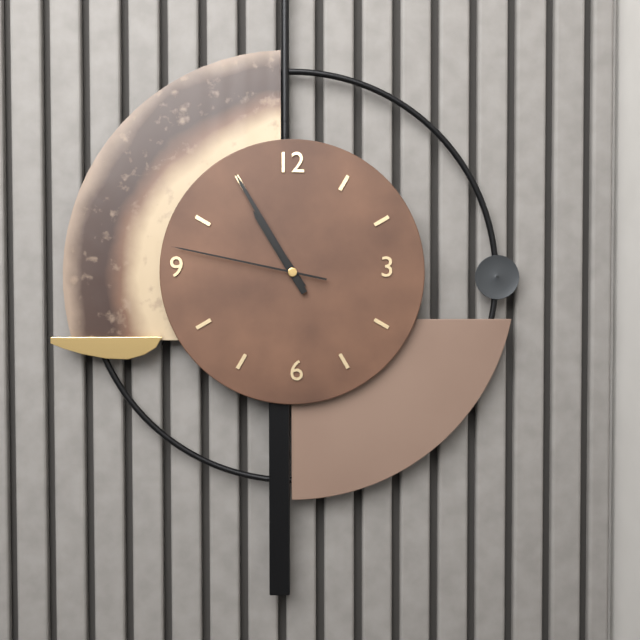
10:55:47
